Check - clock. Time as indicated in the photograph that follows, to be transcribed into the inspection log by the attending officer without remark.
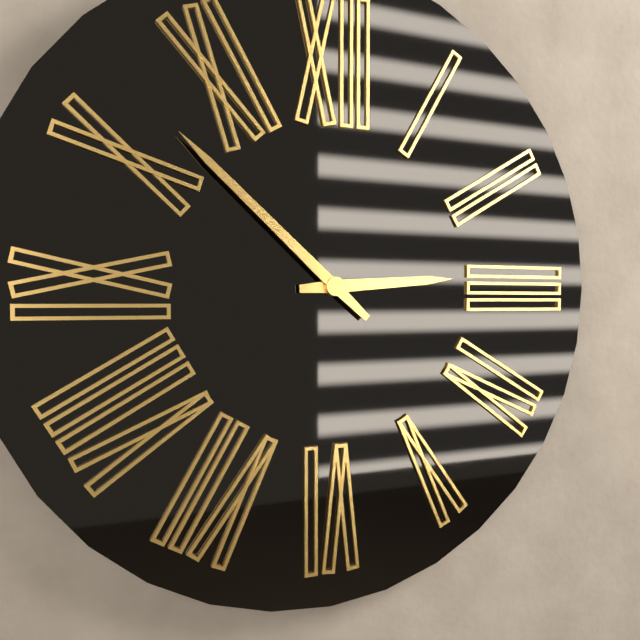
2:52
